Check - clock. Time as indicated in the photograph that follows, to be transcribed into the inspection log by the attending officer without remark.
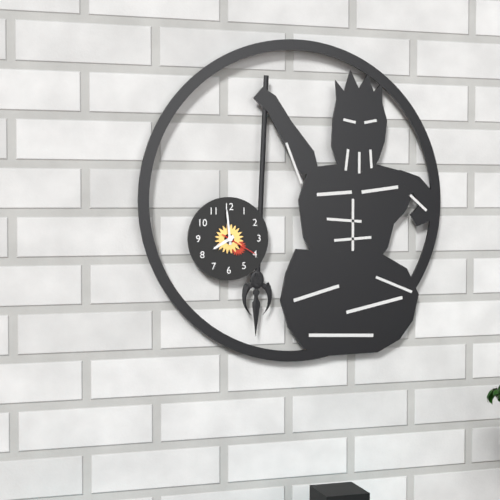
7:59
